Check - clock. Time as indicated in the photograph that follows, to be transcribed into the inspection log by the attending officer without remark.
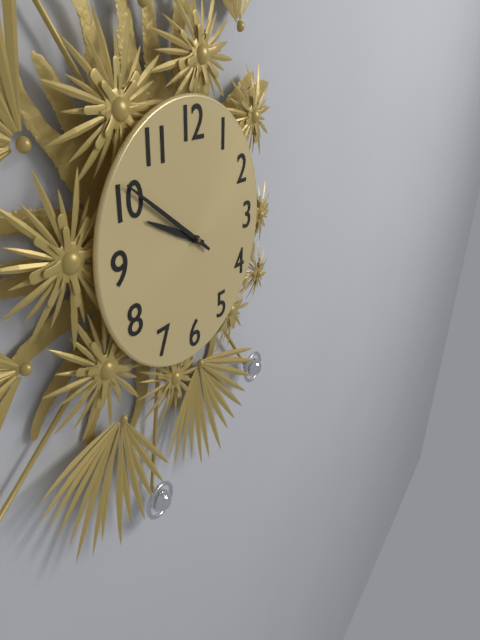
9:51
